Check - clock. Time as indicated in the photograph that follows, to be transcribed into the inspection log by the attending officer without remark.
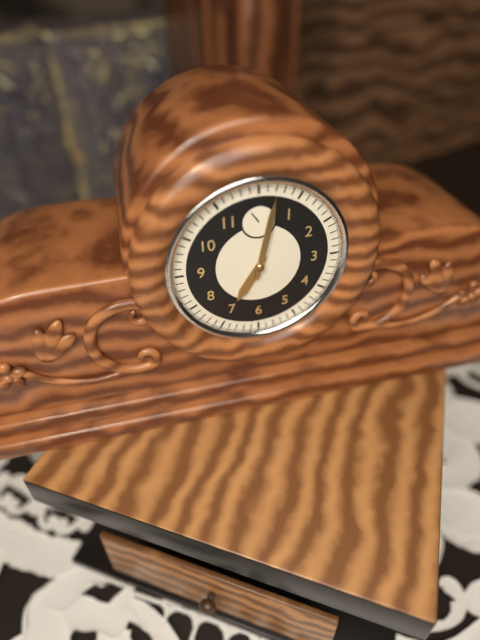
7:02
